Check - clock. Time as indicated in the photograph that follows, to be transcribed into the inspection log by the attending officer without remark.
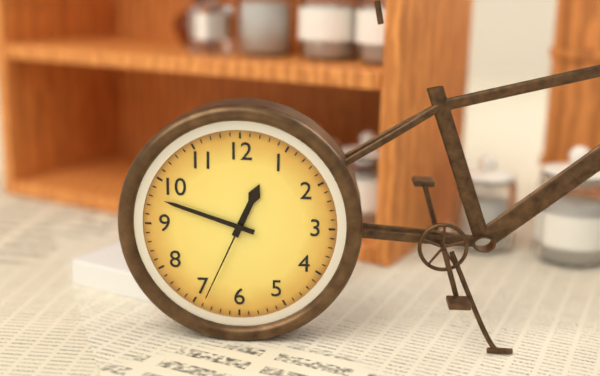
12:48:34
